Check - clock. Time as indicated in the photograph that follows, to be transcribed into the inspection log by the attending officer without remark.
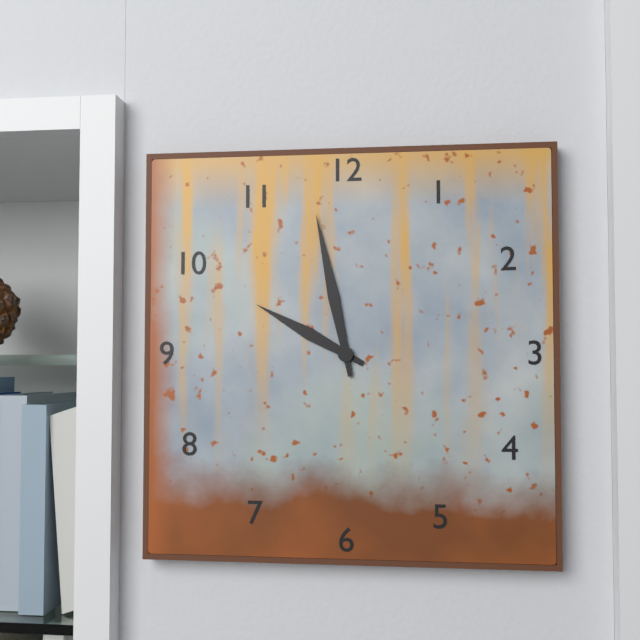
9:58
